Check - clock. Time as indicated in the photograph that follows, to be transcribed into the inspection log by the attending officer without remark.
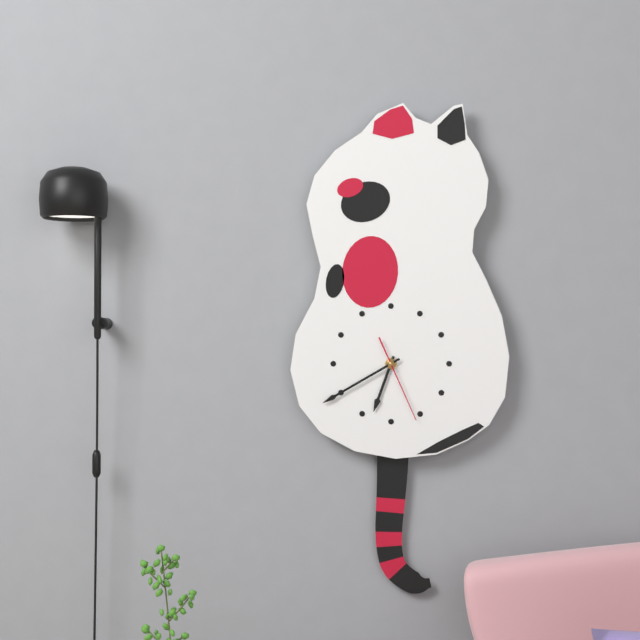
6:40:26
